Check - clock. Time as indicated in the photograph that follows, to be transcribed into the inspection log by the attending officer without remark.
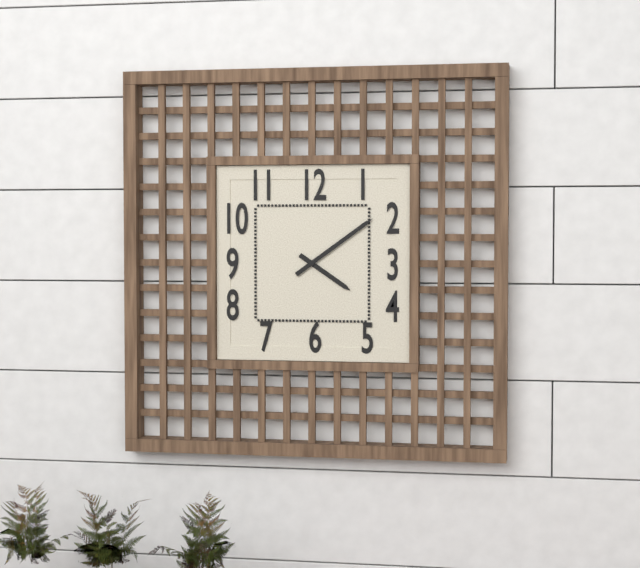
4:09
